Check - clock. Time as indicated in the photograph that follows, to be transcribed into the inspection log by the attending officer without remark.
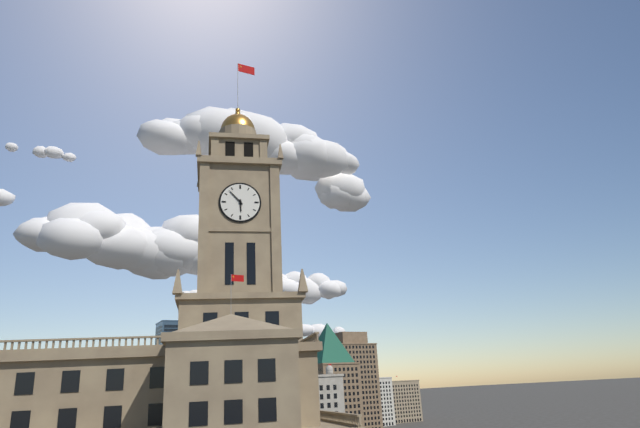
5:53
